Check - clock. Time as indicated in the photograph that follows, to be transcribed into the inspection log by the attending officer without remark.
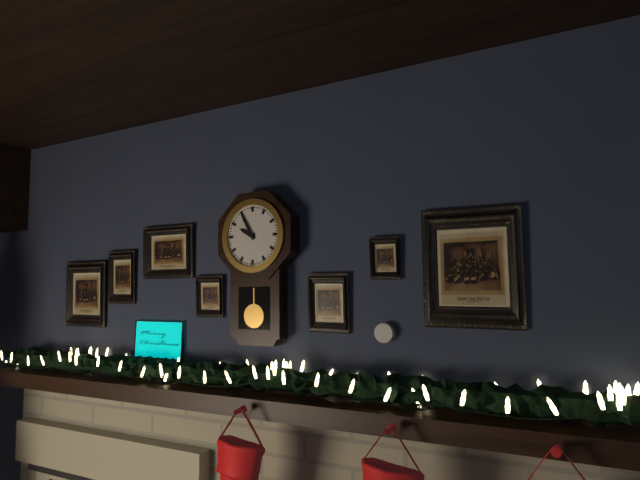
9:55
